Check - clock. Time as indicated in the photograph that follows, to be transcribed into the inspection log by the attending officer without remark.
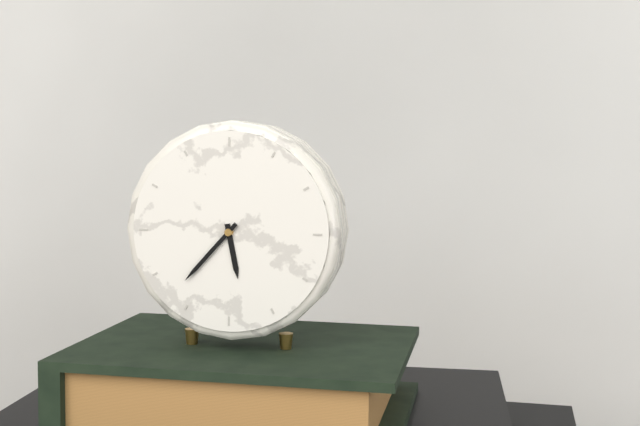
5:37
